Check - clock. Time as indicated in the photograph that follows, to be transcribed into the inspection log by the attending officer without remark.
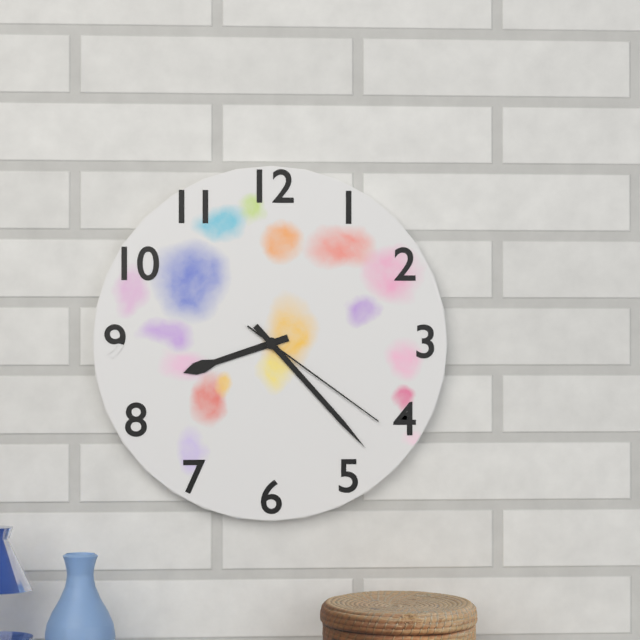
8:23:21
